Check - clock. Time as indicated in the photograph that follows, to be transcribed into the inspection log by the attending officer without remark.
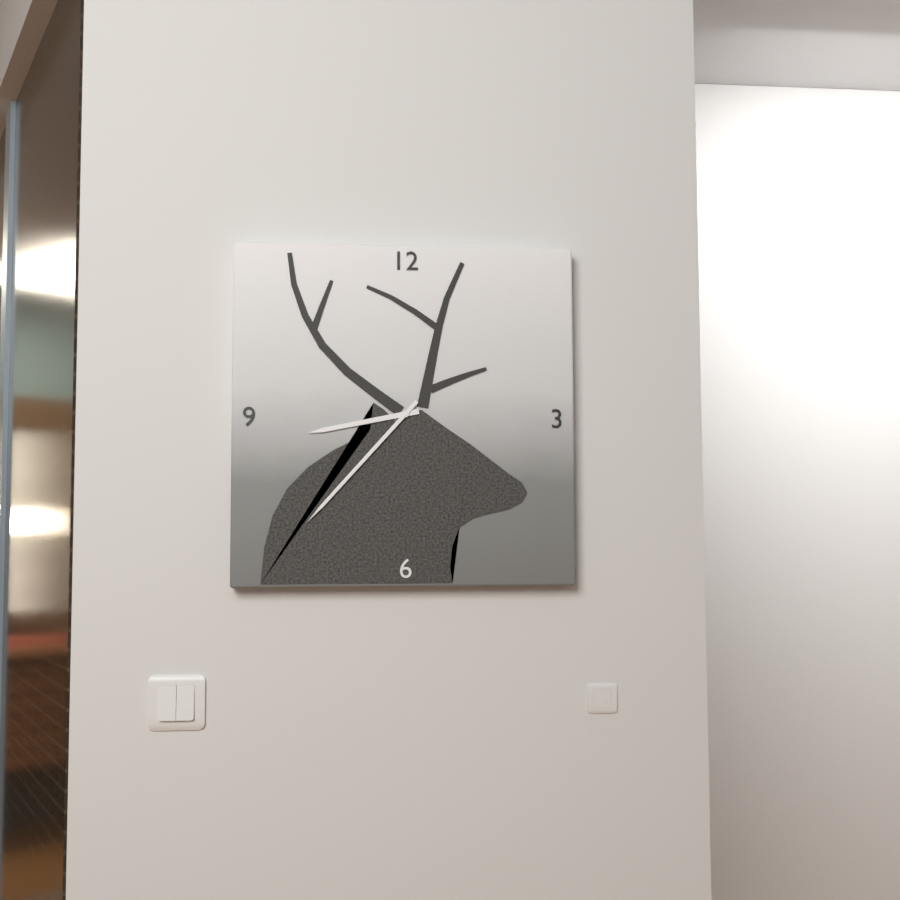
8:37
